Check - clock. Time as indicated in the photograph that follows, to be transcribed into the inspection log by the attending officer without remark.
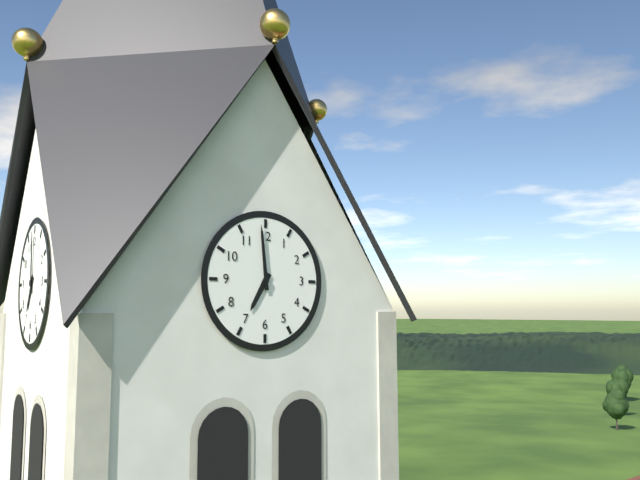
6:59
